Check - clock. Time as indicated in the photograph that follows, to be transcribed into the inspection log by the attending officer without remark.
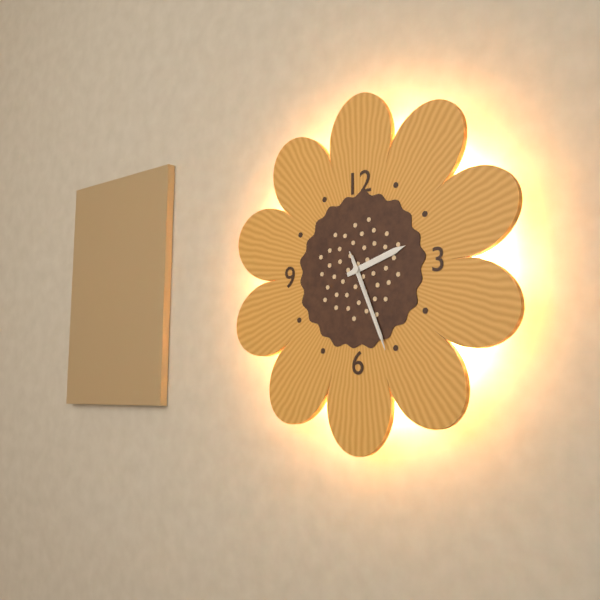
2:26:26
